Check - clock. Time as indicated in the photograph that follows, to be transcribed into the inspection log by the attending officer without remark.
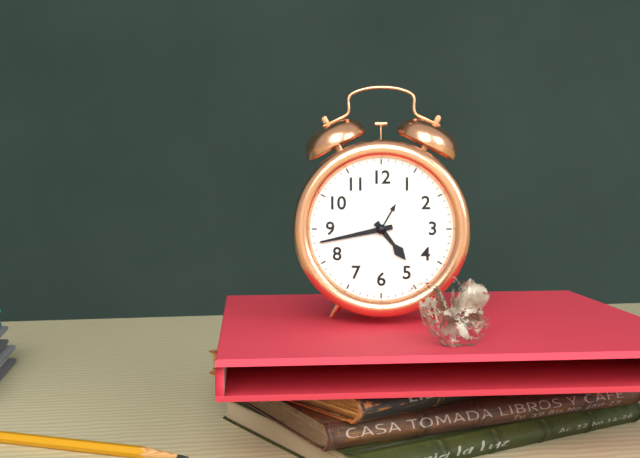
4:43
